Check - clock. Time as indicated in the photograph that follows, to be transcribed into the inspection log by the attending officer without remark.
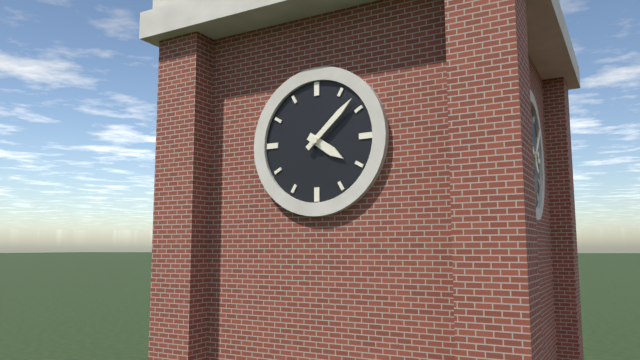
4:08
